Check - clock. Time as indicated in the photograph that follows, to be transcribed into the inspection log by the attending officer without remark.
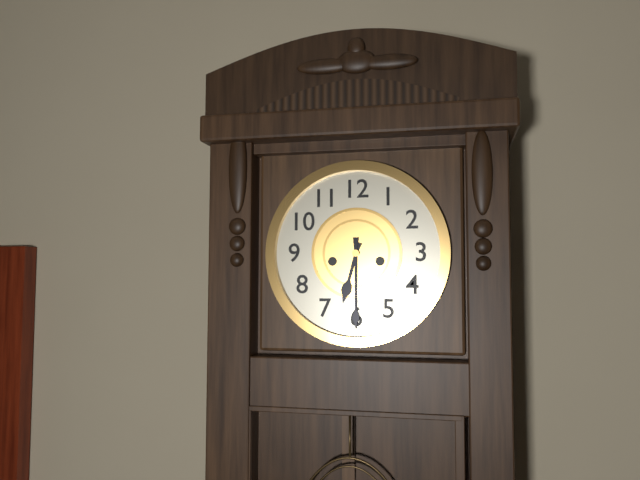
6:30
